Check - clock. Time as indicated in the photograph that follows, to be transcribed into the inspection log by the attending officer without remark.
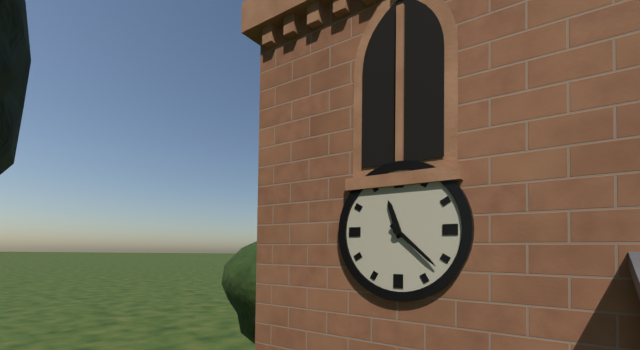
11:22
